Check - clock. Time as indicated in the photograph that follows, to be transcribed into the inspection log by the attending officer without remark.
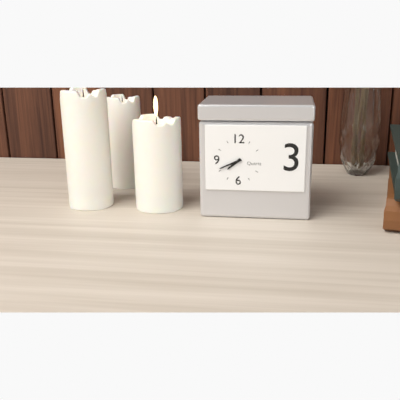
7:41
